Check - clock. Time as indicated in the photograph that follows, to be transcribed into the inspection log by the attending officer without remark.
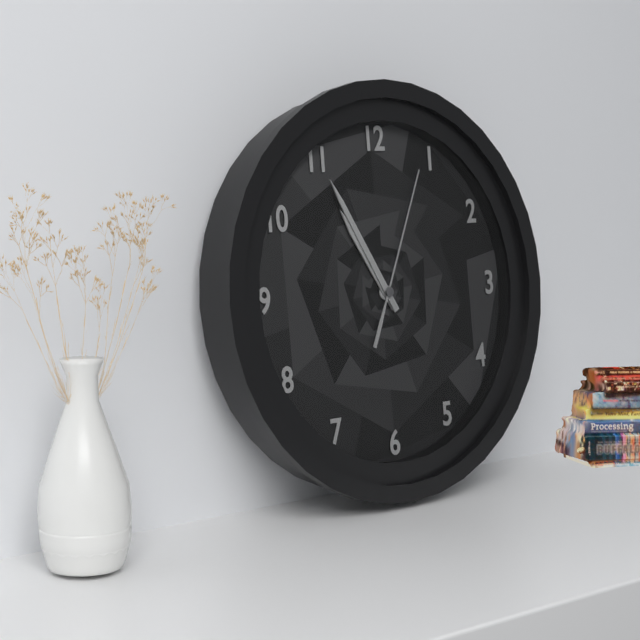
10:55:04
